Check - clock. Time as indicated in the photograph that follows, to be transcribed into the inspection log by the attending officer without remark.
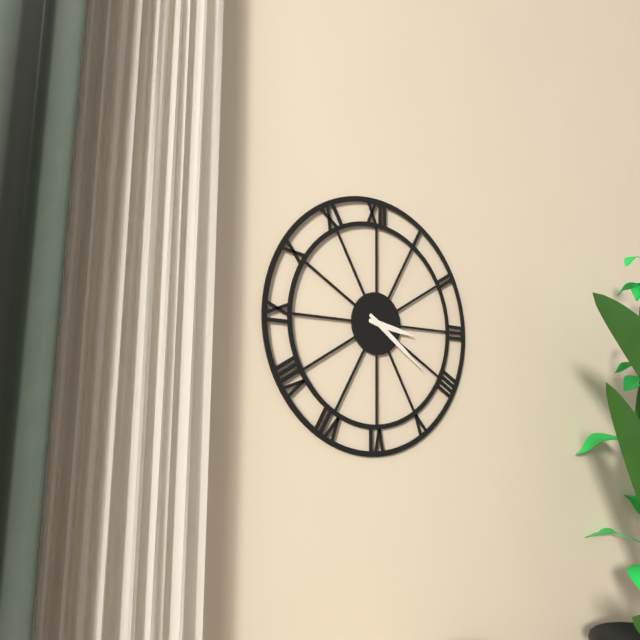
3:21
